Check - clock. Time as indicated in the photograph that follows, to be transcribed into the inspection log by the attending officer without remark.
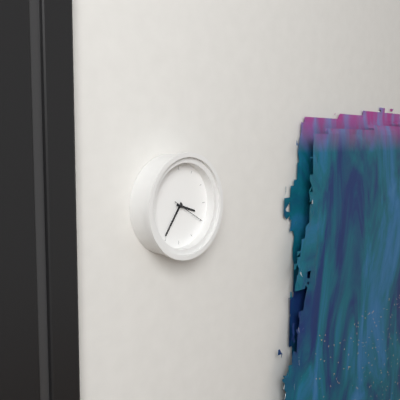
3:36
